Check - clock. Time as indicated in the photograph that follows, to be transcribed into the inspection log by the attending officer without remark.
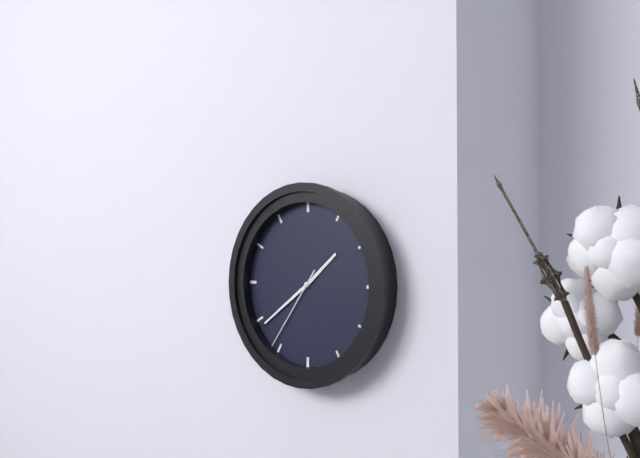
1:39:36
